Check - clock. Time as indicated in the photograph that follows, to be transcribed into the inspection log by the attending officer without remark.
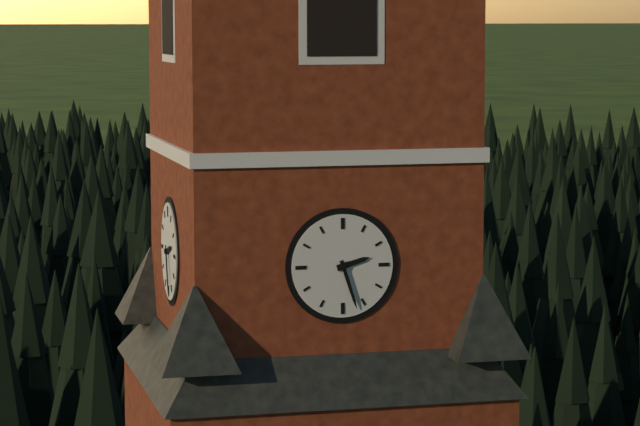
2:27
